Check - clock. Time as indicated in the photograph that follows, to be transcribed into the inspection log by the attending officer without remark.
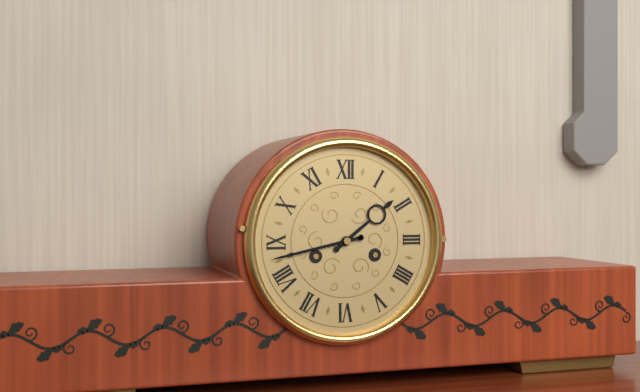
1:43
